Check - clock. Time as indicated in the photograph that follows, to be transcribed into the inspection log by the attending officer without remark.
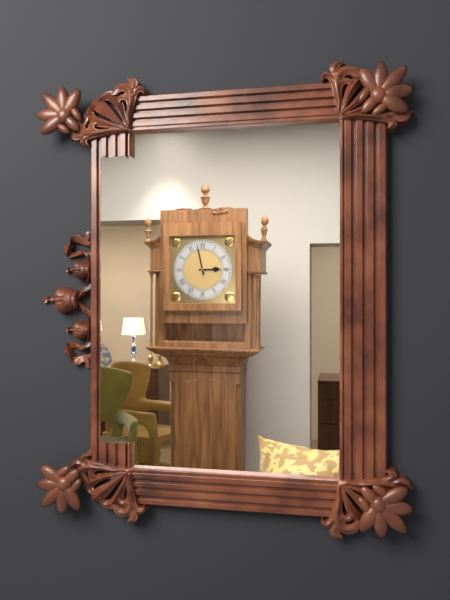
2:58
